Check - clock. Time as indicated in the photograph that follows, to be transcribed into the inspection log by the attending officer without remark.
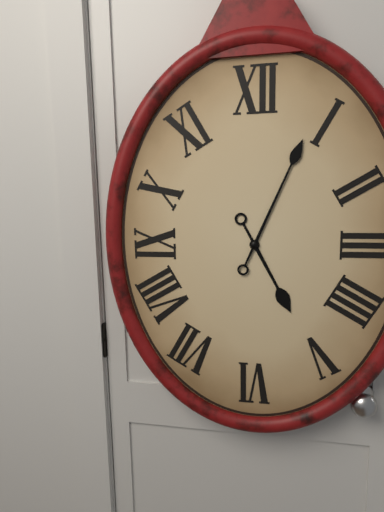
5:04
